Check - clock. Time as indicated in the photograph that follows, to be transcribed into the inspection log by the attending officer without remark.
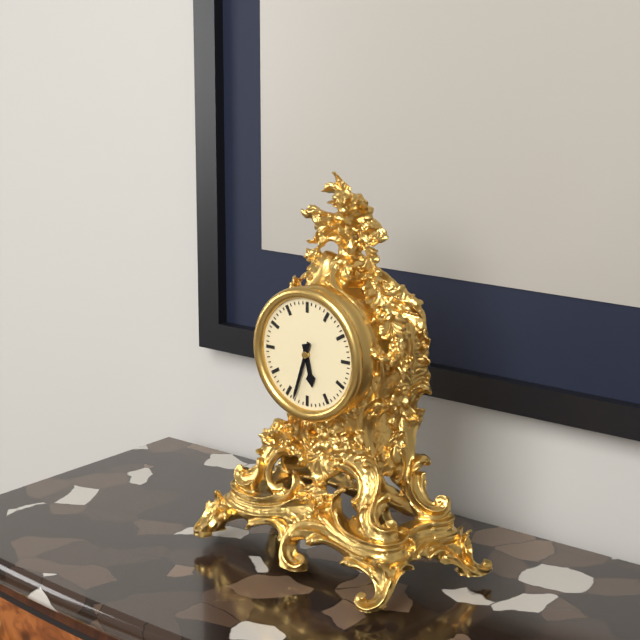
5:33
